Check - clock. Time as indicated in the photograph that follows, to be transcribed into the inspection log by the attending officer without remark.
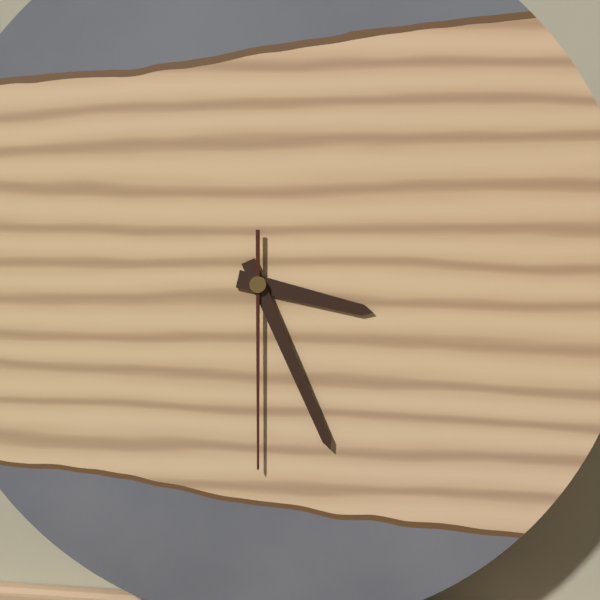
3:26:30
